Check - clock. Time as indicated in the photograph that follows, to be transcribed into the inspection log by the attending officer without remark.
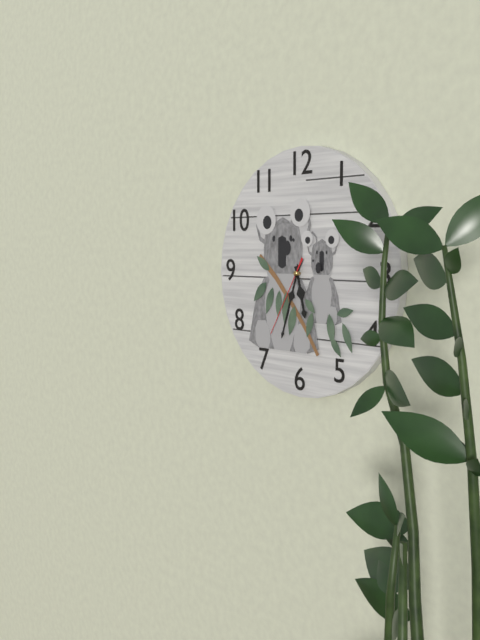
5:33:35
